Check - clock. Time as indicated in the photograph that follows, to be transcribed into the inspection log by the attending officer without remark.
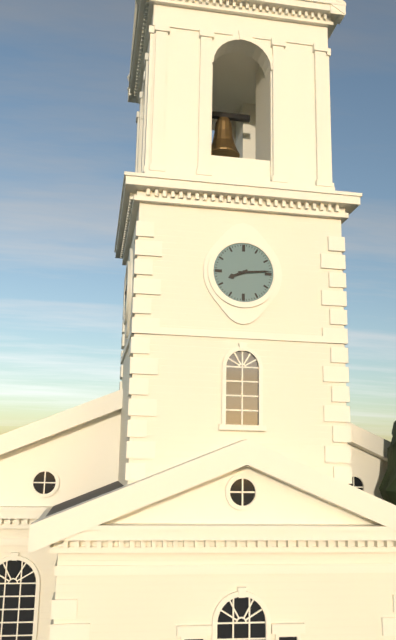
8:14
